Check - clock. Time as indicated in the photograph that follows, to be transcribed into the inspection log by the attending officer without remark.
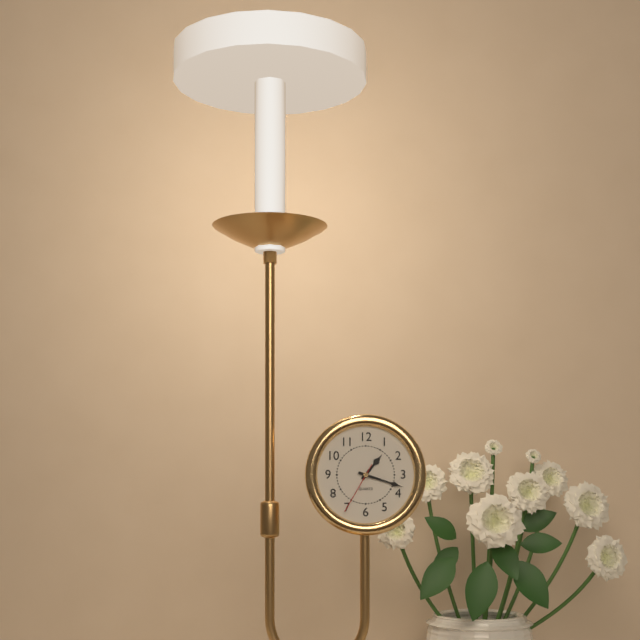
1:18:35
